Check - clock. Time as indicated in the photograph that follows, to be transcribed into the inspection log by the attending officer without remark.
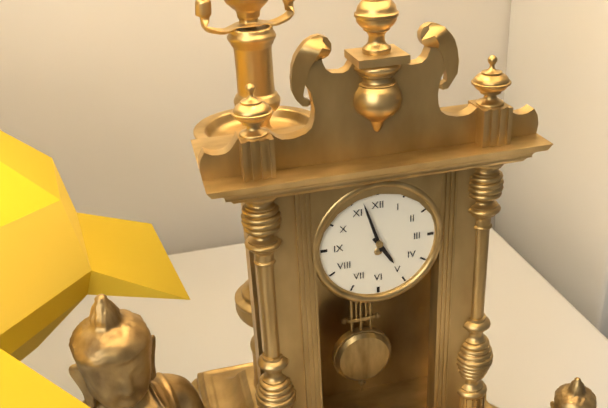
4:57
